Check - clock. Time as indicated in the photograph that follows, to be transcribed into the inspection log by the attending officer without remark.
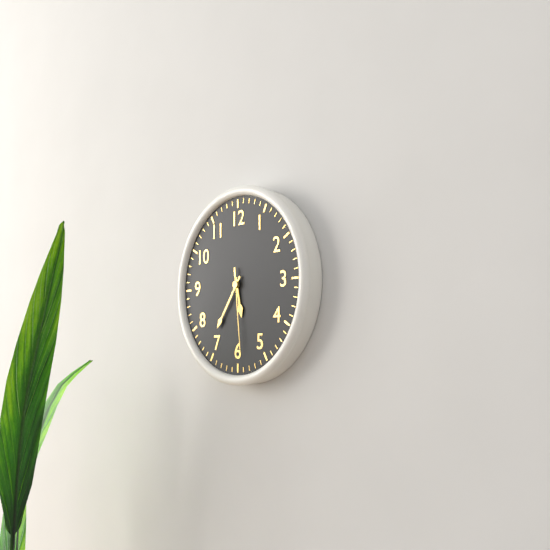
5:36:29
